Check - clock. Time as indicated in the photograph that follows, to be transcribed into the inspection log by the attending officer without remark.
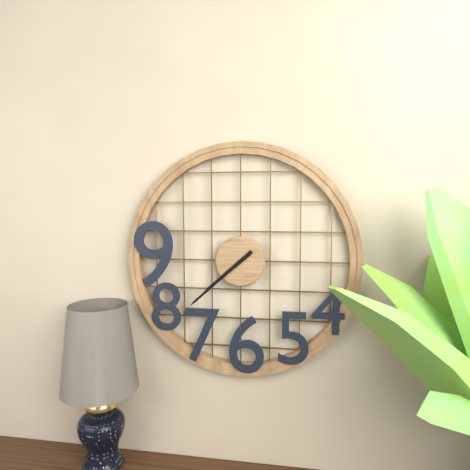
7:38
